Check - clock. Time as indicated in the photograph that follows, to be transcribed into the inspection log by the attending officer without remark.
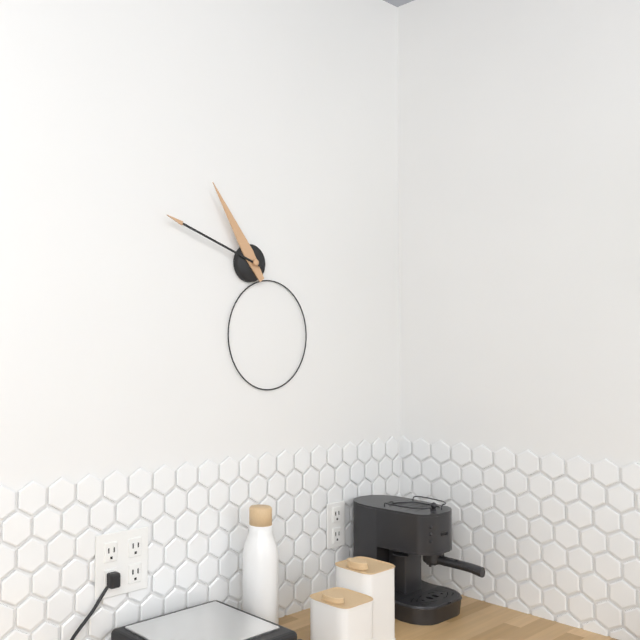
10:48
